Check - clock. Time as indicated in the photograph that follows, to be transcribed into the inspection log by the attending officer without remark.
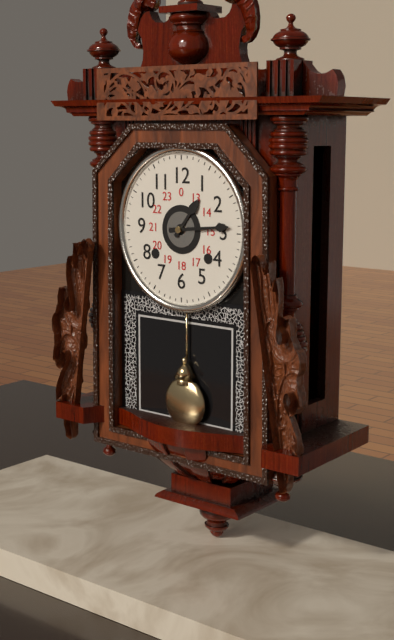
1:14
